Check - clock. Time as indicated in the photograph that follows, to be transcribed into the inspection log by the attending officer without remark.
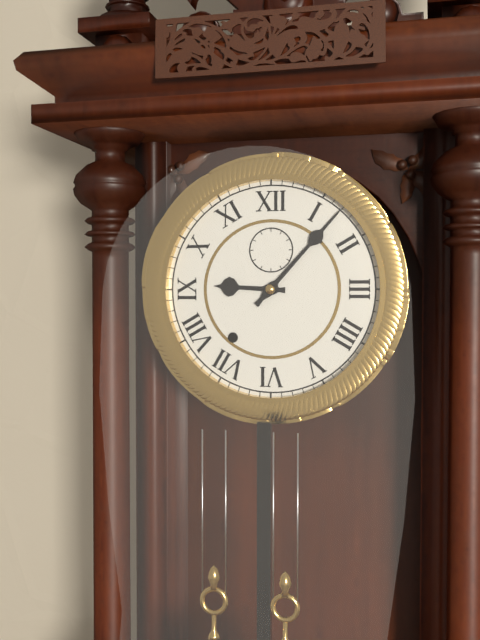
9:07
